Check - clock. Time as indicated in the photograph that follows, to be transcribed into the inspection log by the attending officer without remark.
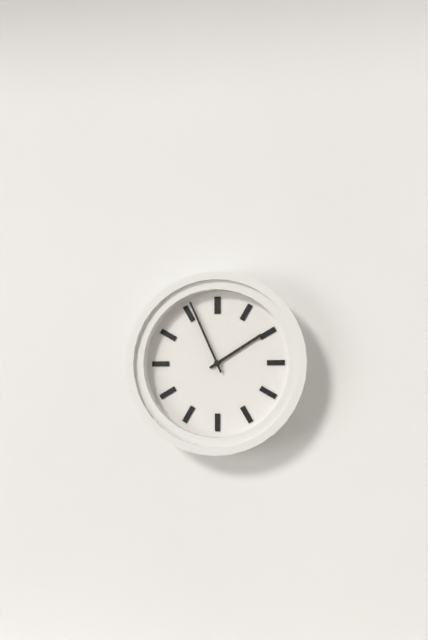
1:56
